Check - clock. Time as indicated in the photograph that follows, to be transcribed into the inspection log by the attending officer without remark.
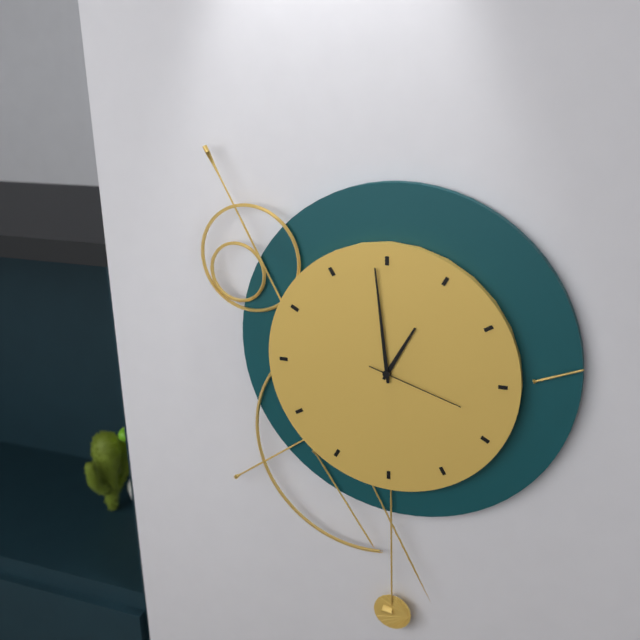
12:59:18
